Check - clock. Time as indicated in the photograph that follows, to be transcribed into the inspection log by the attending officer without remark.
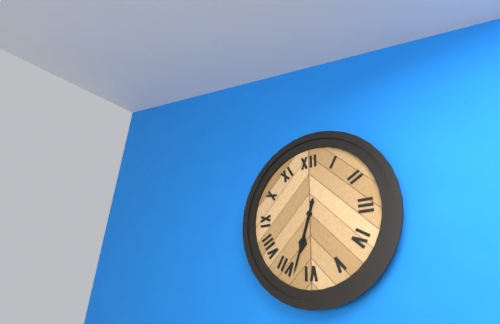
6:33
